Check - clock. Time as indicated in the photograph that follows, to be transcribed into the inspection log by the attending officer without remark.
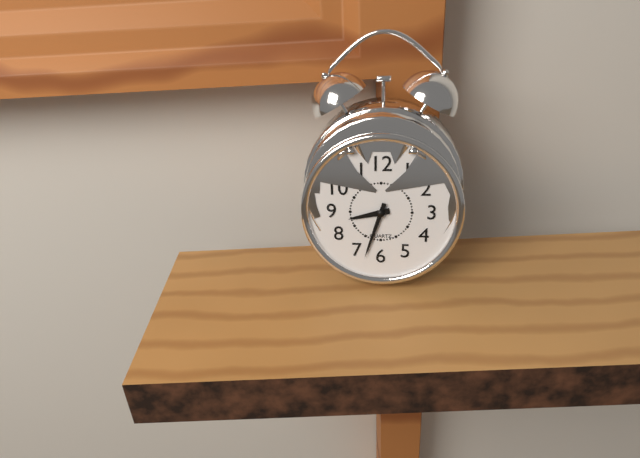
8:33
